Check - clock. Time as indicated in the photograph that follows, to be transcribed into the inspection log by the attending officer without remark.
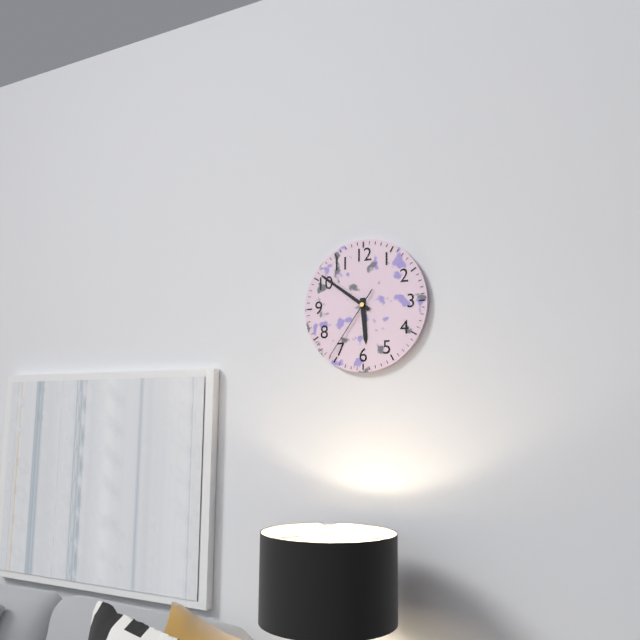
5:51:36
